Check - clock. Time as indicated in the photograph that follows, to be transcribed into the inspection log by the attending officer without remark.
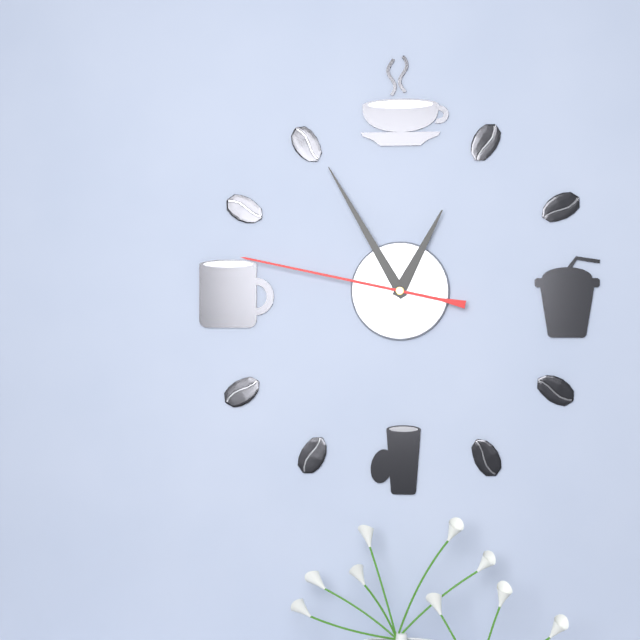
12:55:47
